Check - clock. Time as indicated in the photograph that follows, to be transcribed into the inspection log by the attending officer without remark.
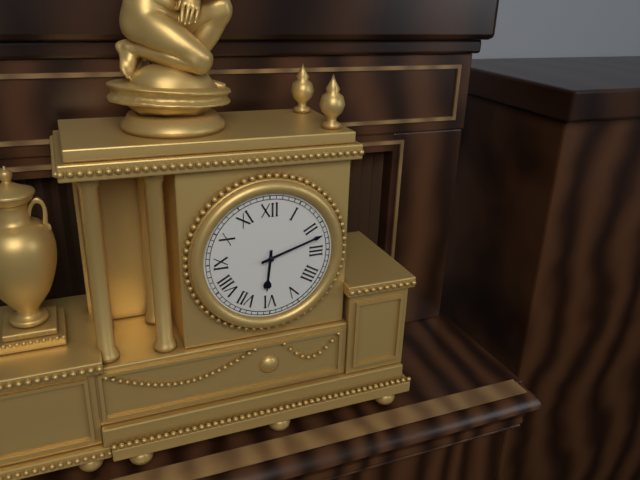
6:12
